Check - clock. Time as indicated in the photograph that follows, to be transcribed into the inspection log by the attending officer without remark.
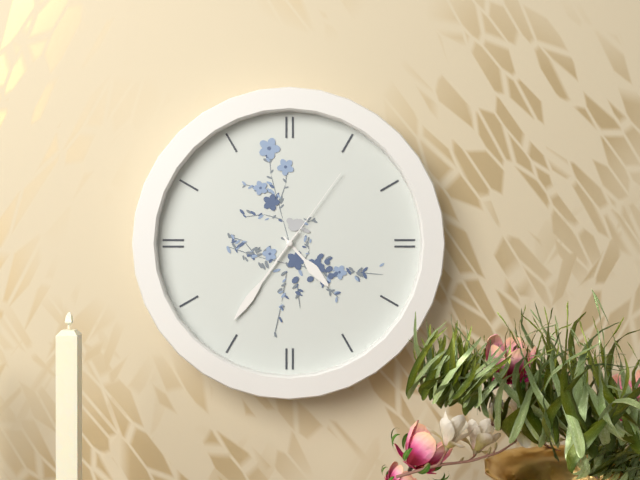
4:36:06
